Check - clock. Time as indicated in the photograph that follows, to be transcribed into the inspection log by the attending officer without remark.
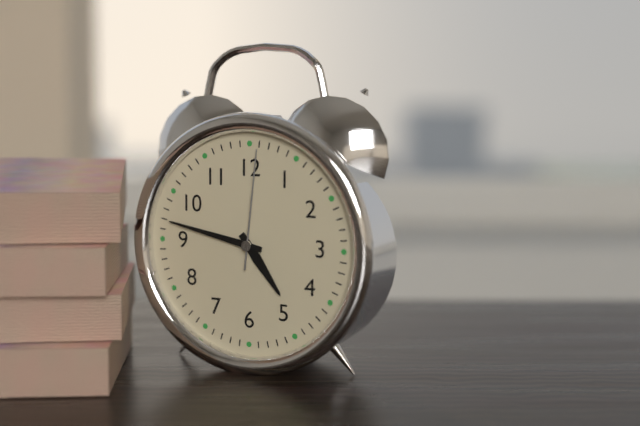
4:47:01
